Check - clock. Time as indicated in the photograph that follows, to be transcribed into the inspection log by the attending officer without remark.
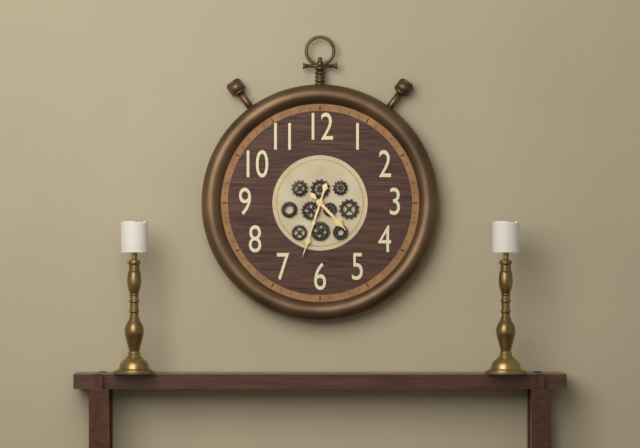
4:33
